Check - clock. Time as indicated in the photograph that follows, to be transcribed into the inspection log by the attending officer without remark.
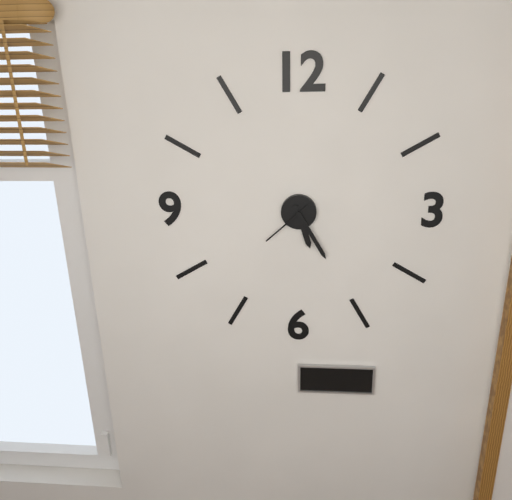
5:25:38
